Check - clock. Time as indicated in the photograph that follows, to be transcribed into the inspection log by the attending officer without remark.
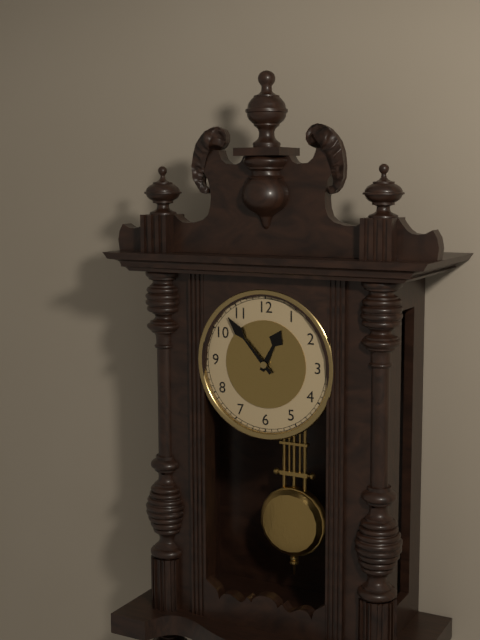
12:53
